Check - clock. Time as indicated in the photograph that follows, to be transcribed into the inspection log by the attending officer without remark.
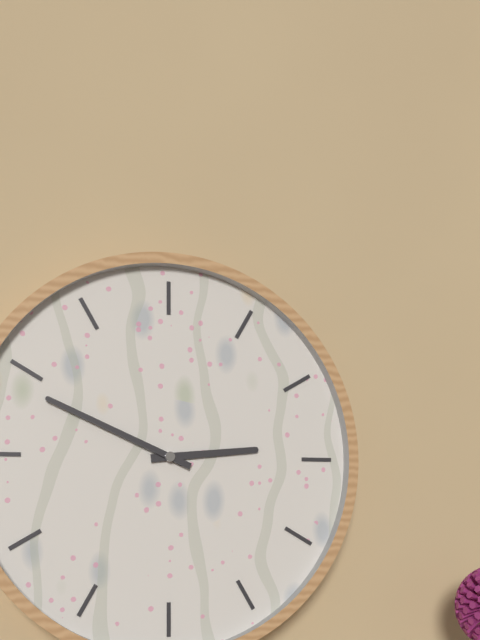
2:49
